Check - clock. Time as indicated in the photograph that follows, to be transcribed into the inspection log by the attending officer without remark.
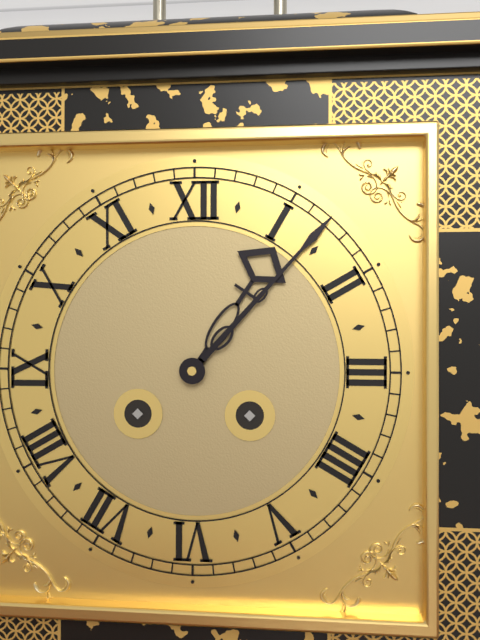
1:07
